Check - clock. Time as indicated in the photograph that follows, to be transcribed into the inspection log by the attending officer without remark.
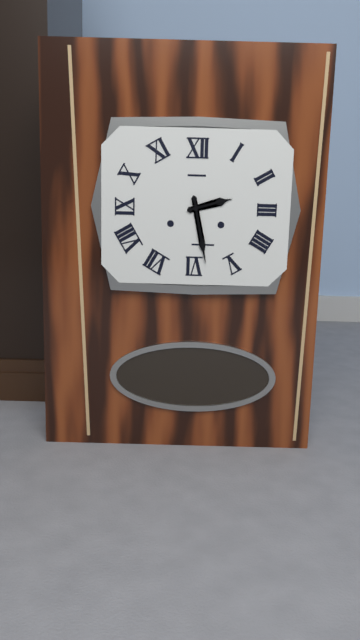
2:28
